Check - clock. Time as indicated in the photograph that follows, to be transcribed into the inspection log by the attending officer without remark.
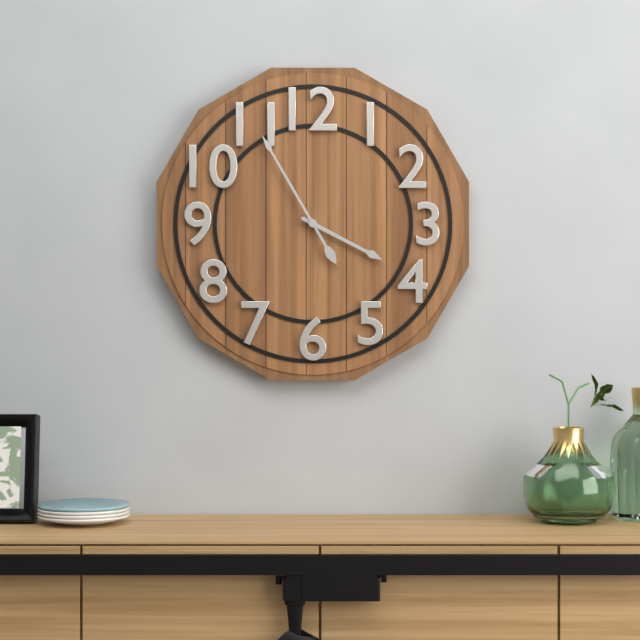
3:55
